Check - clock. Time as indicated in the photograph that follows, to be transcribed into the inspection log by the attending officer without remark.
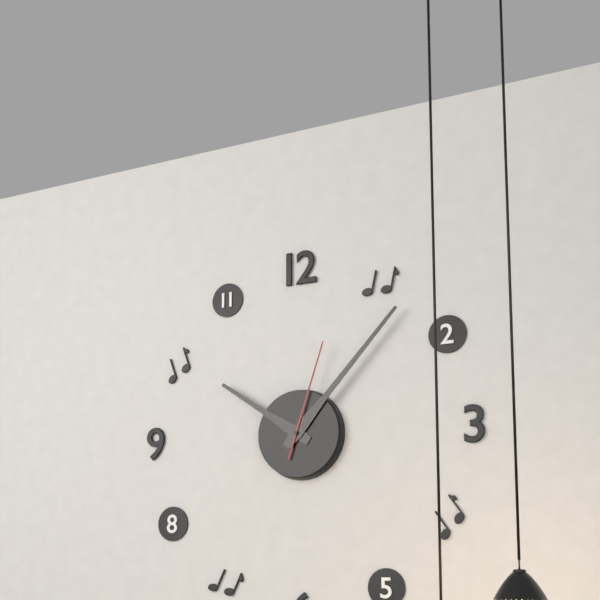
10:07:03
